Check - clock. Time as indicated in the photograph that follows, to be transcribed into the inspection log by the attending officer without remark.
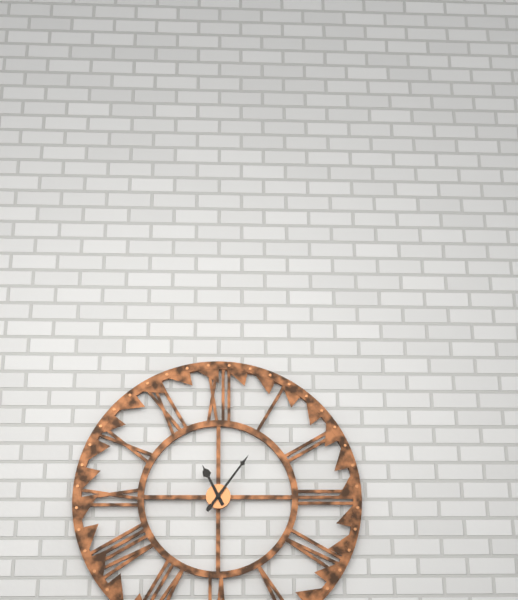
11:06
